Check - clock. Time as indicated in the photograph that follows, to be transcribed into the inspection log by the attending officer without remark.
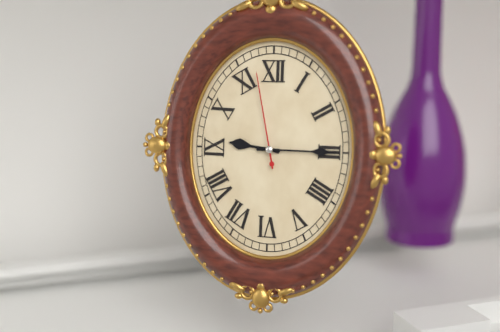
9:15:58
